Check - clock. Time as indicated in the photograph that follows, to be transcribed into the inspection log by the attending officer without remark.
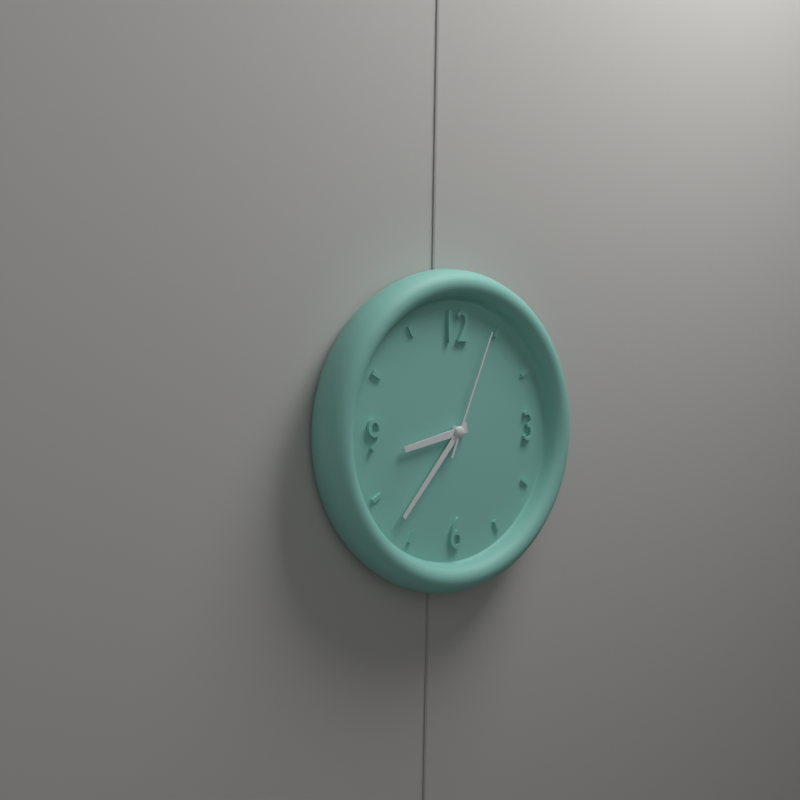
8:37:04
